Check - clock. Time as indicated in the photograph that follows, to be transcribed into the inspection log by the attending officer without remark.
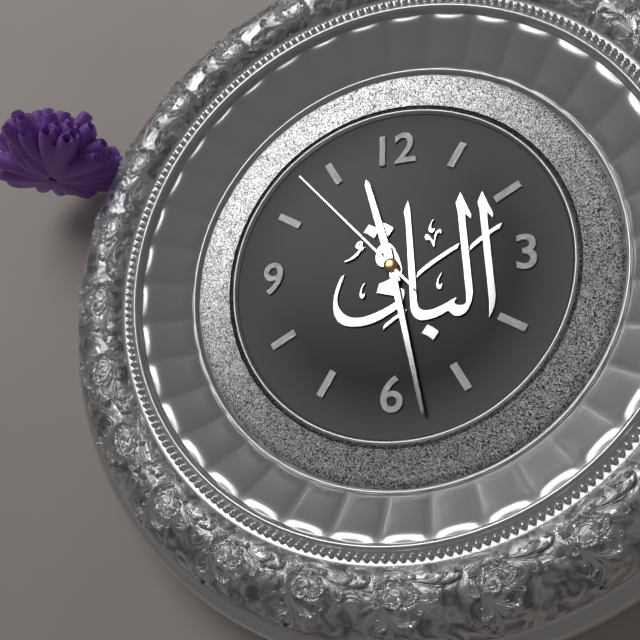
11:28:53
